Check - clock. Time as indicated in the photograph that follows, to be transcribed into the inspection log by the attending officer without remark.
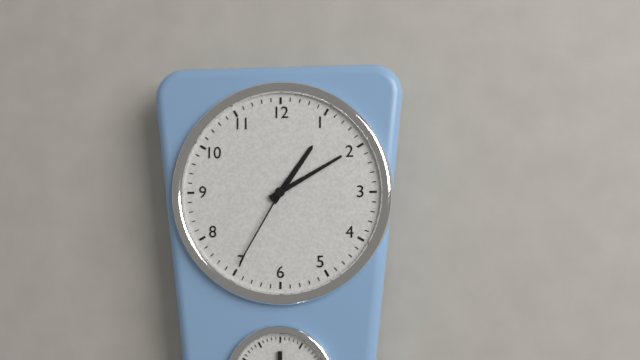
1:10:35
